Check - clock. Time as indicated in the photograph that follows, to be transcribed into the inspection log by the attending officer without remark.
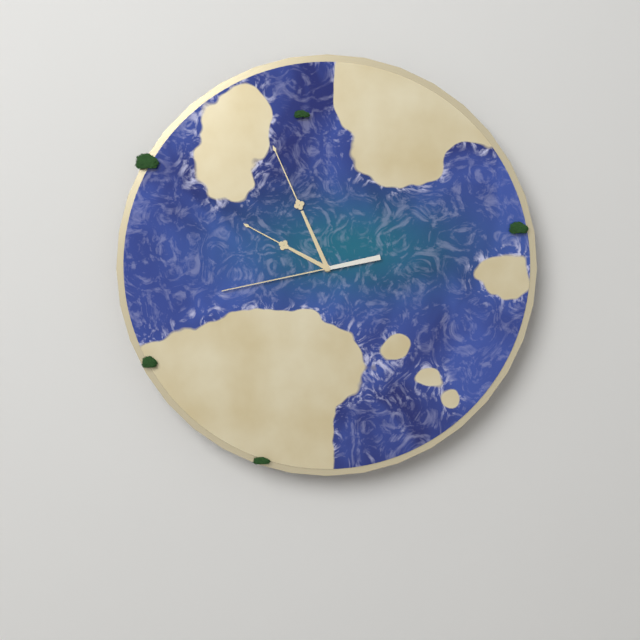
9:56:43
